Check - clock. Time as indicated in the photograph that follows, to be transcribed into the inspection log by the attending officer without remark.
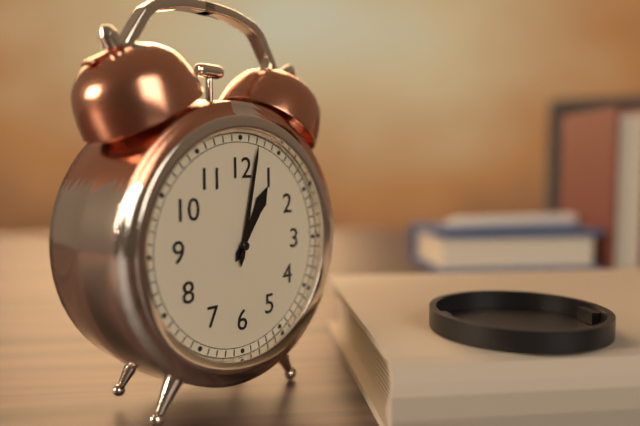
1:02
